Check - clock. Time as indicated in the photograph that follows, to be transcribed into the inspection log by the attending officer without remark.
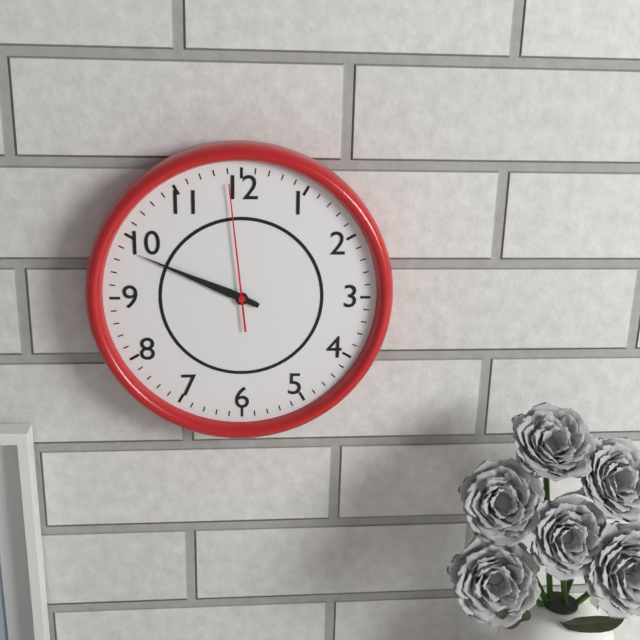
9:49:59
